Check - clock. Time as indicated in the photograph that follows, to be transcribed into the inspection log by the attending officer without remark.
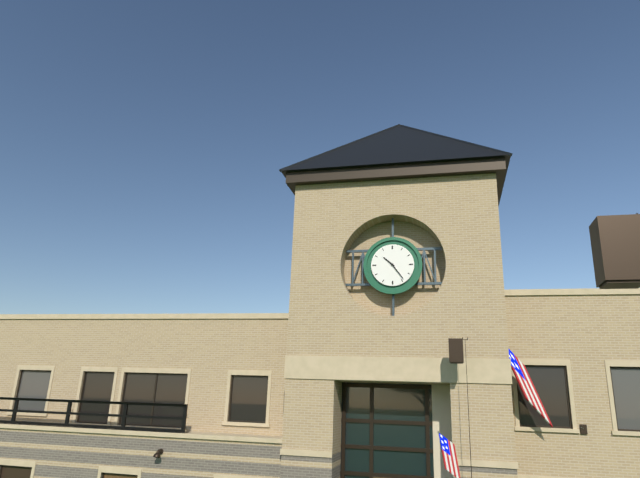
10:24
